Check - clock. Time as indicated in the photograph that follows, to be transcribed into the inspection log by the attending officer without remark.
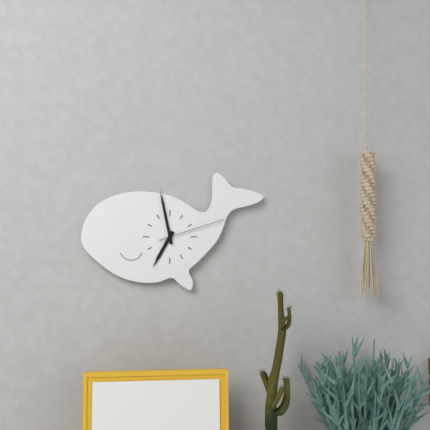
6:58:12
